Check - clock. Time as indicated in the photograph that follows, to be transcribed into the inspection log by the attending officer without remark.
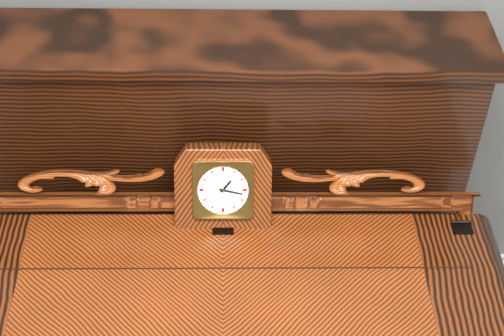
1:17
